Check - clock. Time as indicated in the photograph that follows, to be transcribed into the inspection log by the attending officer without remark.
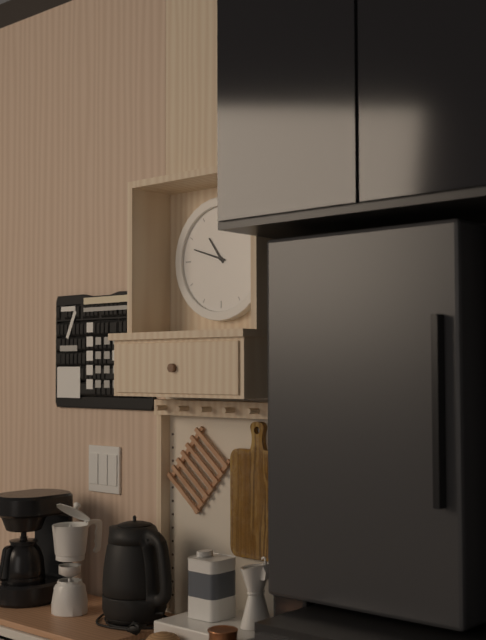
10:48
